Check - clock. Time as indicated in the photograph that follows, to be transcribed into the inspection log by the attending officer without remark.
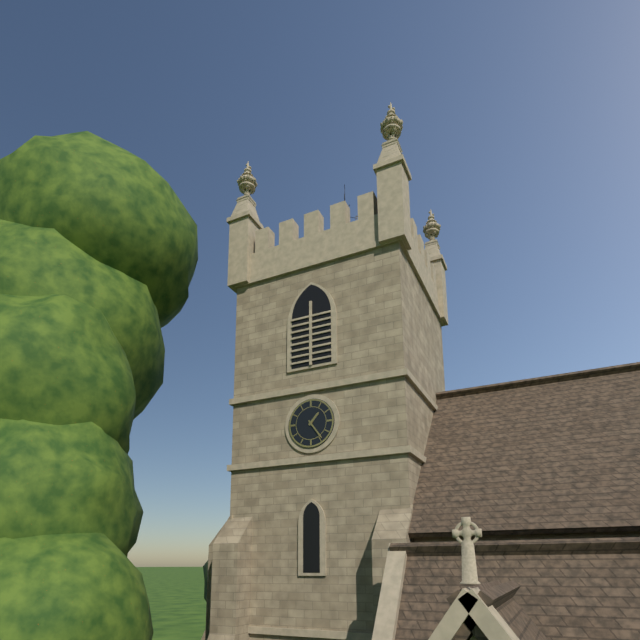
1:24
